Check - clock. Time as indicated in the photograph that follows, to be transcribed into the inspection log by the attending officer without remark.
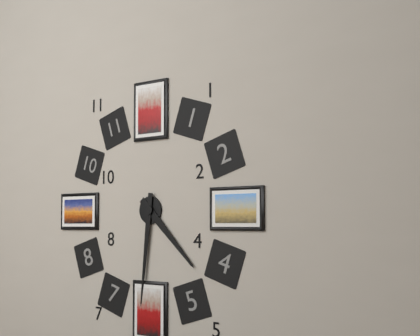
4:31
